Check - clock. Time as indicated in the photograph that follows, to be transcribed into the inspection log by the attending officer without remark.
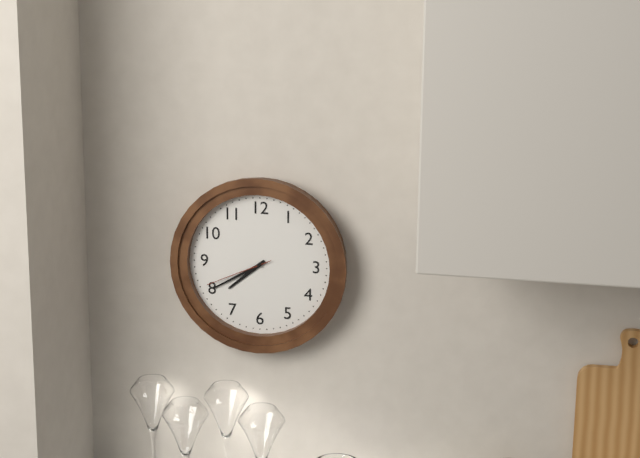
7:40:41
